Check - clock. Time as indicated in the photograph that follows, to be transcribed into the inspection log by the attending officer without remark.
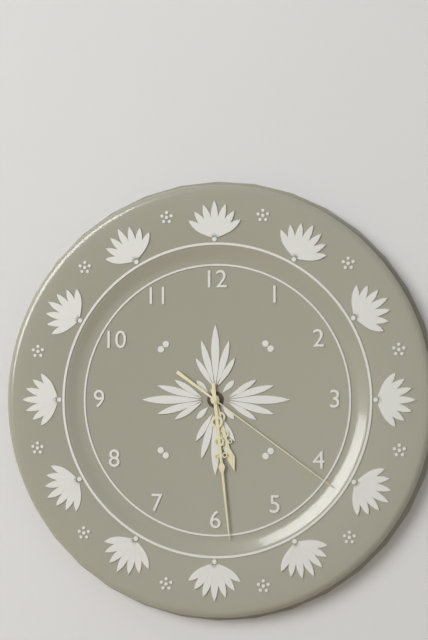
5:29:21
